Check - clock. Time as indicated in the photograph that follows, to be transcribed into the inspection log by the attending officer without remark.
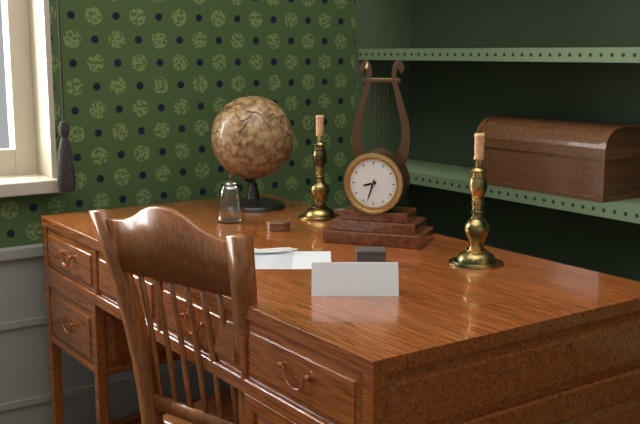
8:33
